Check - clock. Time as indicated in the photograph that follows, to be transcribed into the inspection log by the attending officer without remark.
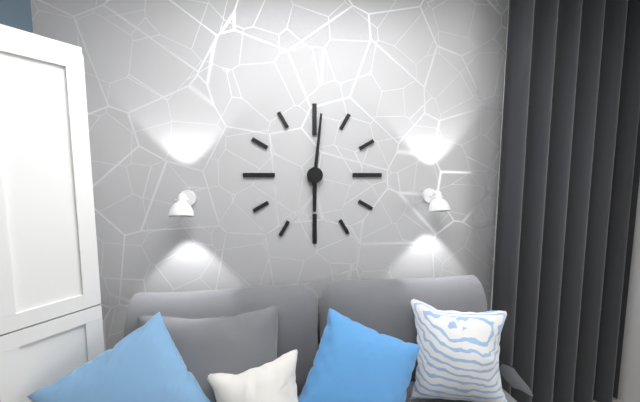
6:01
